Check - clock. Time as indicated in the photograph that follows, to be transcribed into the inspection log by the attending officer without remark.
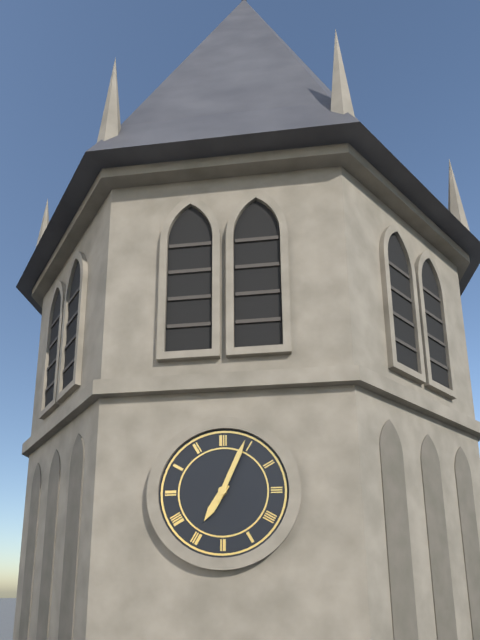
7:04
